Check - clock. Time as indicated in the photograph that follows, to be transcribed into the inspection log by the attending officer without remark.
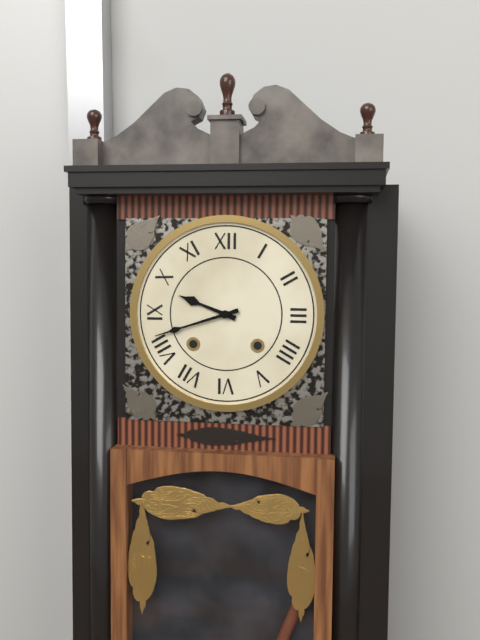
9:42
